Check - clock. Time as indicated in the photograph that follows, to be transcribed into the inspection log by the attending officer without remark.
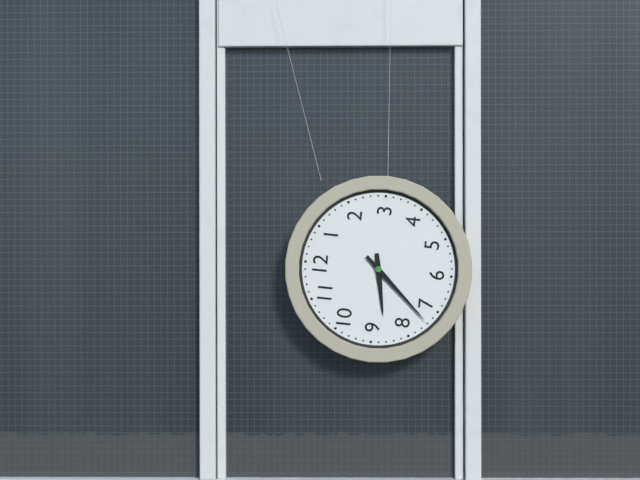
8:37
